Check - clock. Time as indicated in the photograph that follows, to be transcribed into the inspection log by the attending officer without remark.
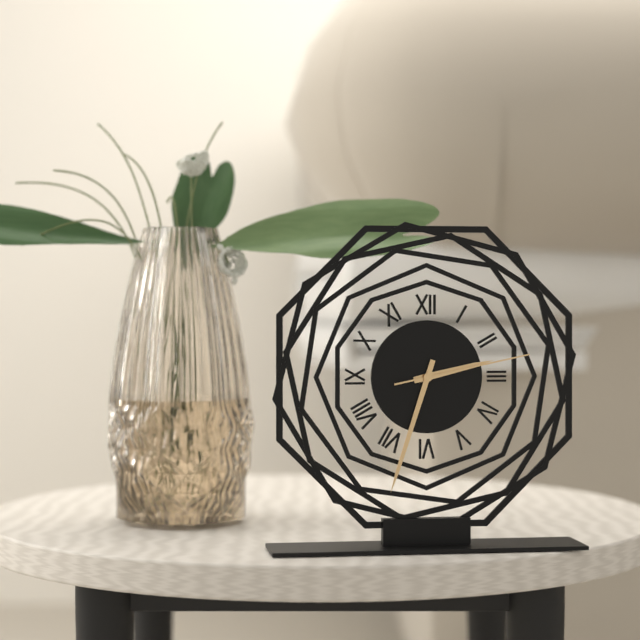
2:33:13
